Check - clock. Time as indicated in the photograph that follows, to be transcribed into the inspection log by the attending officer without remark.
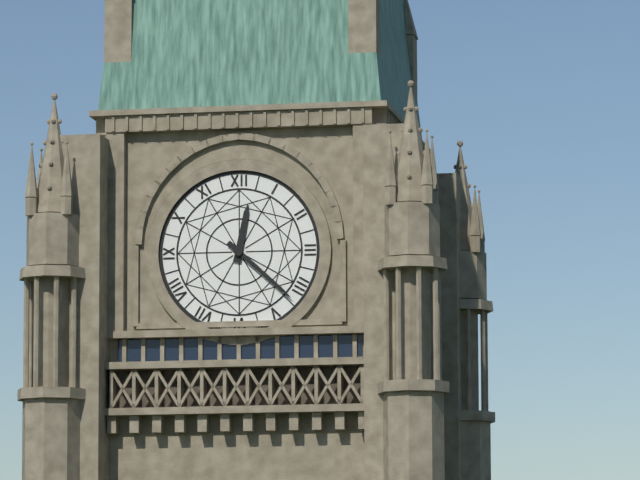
12:22
